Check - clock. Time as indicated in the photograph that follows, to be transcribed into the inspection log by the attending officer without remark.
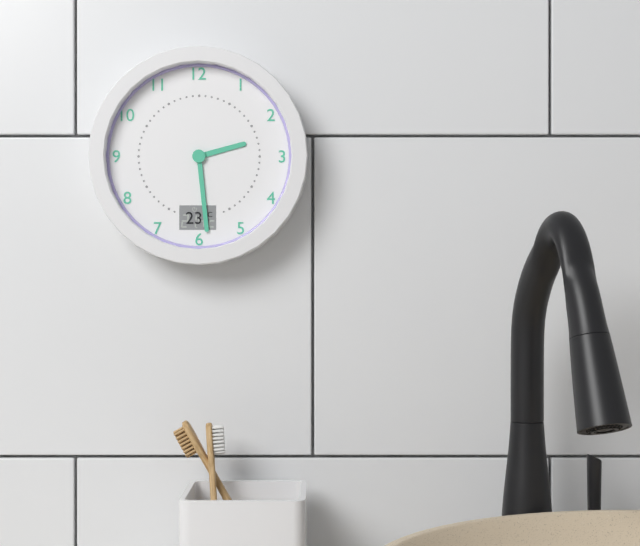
2:29
